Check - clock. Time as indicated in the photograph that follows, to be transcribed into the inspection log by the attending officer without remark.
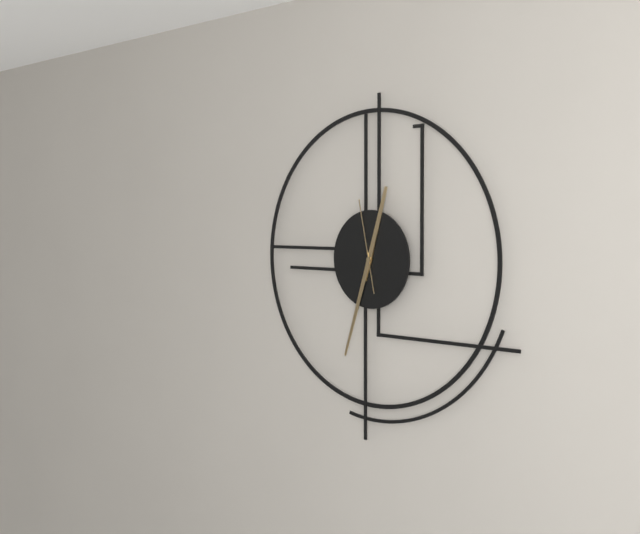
12:33:58
